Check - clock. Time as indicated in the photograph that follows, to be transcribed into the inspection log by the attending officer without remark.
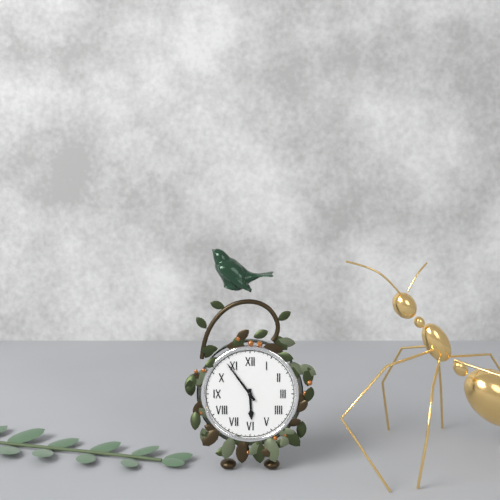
5:54
